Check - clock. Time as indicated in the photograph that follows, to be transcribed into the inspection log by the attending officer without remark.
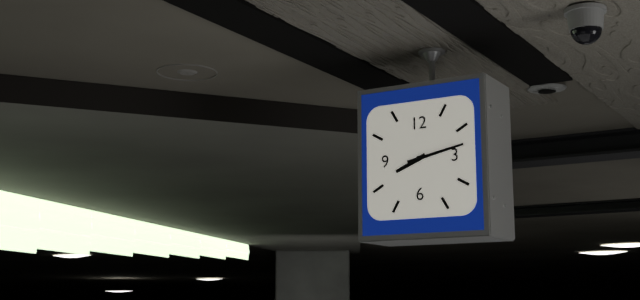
8:13
